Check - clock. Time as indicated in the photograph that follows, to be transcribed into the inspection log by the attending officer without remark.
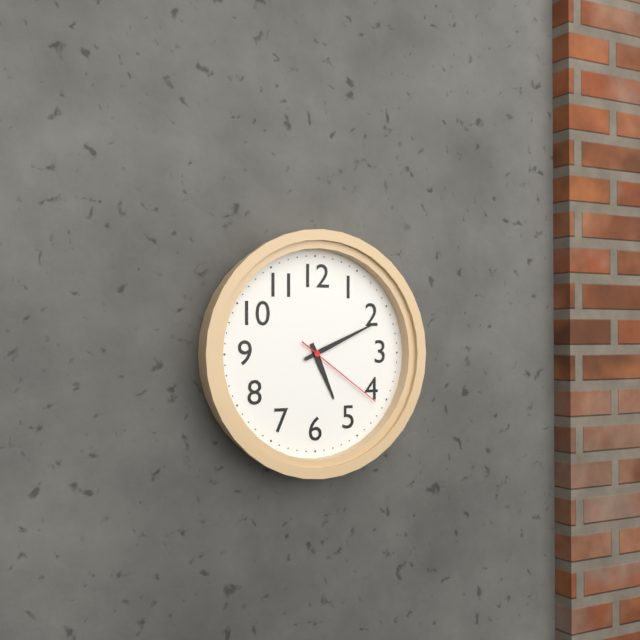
5:11:21
